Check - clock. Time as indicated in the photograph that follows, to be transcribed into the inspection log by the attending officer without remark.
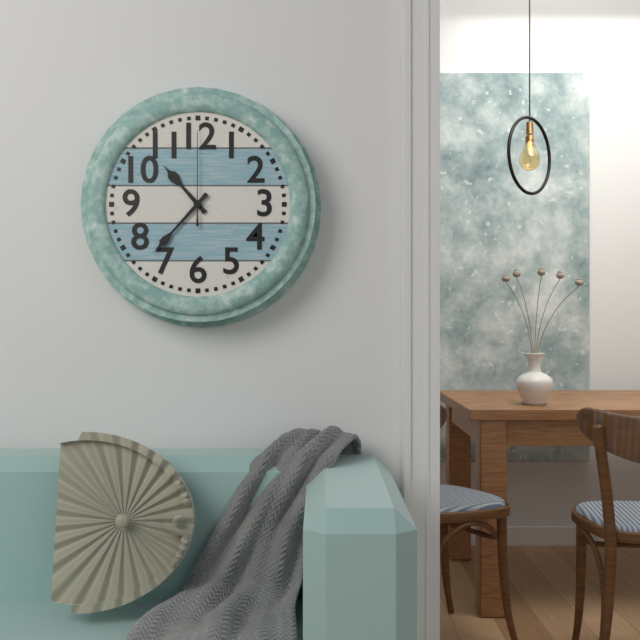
10:37:00
